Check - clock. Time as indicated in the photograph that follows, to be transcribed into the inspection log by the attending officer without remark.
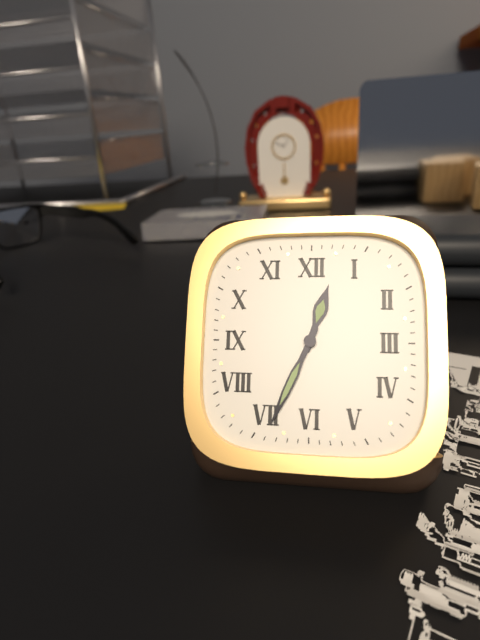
12:34
